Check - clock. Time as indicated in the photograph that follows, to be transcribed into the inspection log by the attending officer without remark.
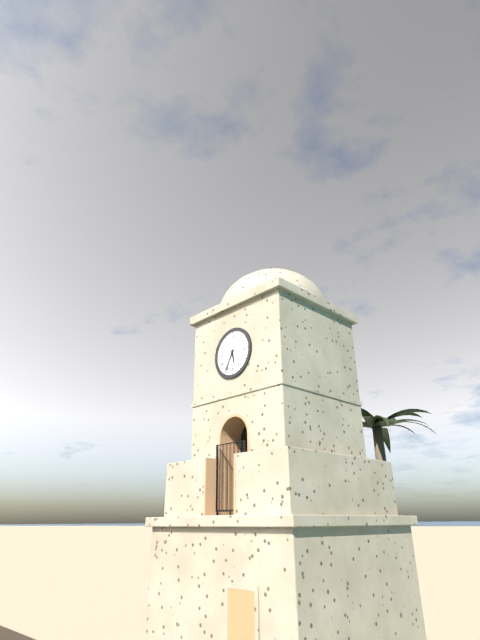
5:35
